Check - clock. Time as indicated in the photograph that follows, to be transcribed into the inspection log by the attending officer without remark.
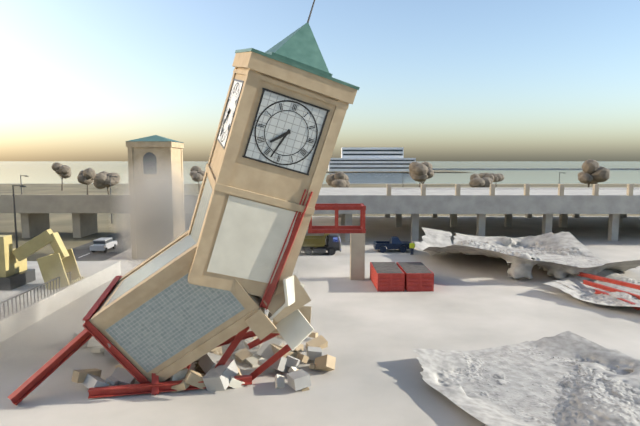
7:33
